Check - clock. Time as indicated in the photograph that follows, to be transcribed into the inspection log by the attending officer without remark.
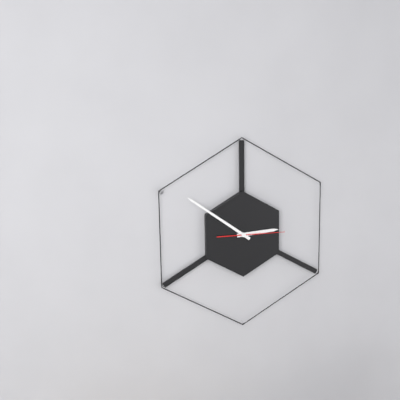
2:51:15
